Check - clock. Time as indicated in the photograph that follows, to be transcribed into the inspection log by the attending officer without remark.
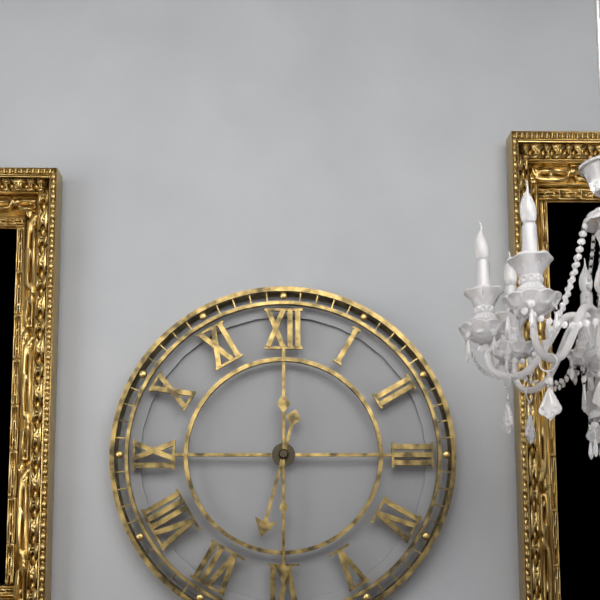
6:30
